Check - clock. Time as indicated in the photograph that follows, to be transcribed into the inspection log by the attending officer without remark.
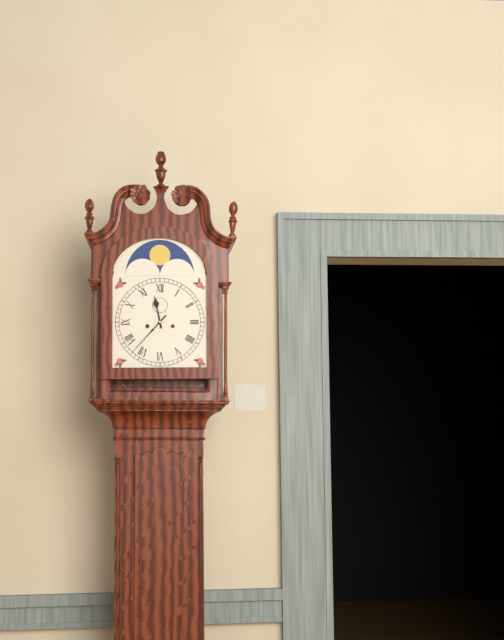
11:37
